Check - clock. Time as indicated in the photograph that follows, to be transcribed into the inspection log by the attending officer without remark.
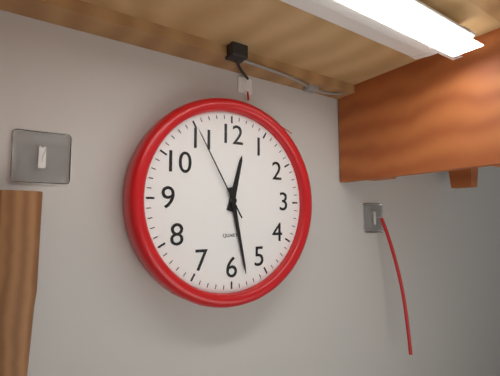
12:28:55
